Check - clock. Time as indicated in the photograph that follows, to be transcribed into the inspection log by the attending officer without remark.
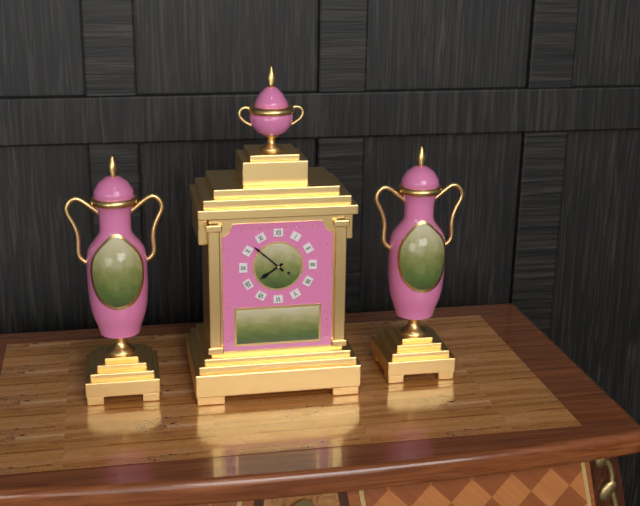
7:52
